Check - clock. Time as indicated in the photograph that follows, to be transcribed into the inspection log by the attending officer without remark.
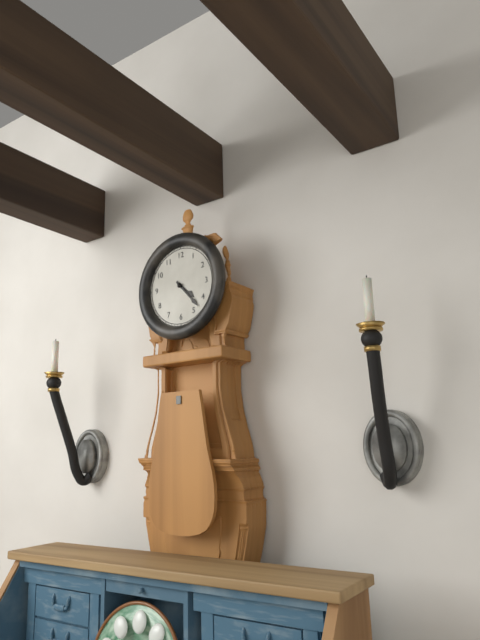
4:23
